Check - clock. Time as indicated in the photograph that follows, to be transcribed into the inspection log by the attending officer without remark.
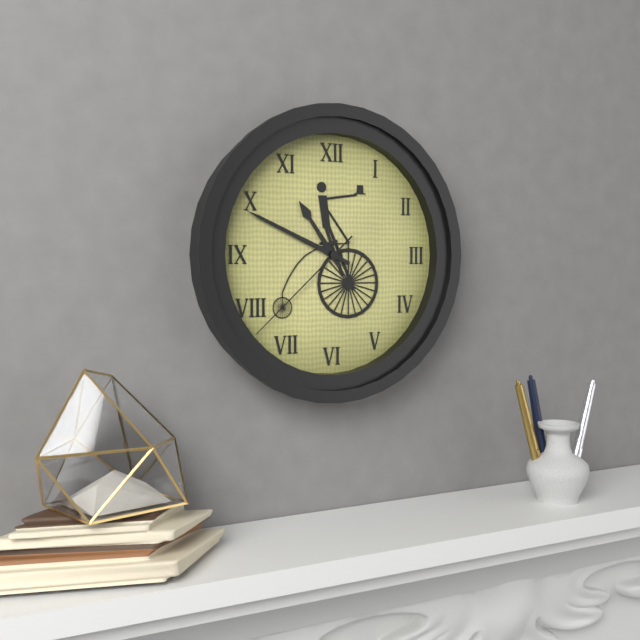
10:49:38
